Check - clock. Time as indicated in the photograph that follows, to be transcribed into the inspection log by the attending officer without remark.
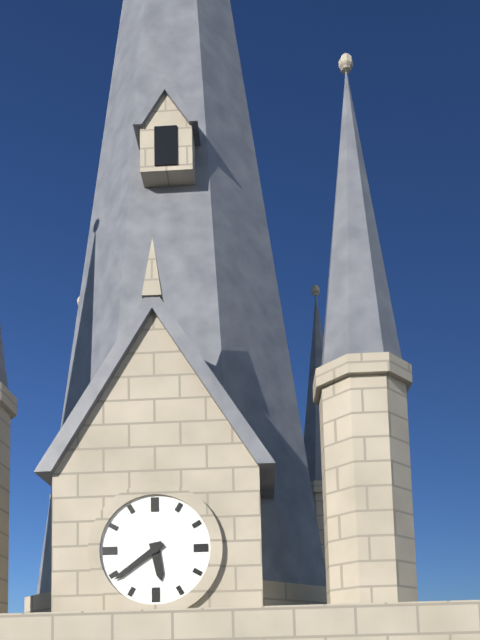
5:39
